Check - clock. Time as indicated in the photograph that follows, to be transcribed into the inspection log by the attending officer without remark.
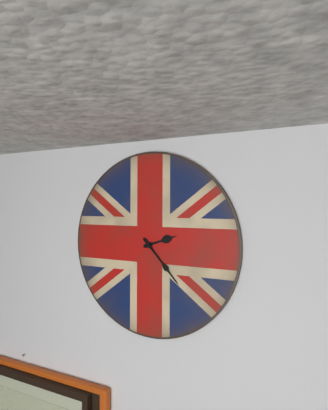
2:23
